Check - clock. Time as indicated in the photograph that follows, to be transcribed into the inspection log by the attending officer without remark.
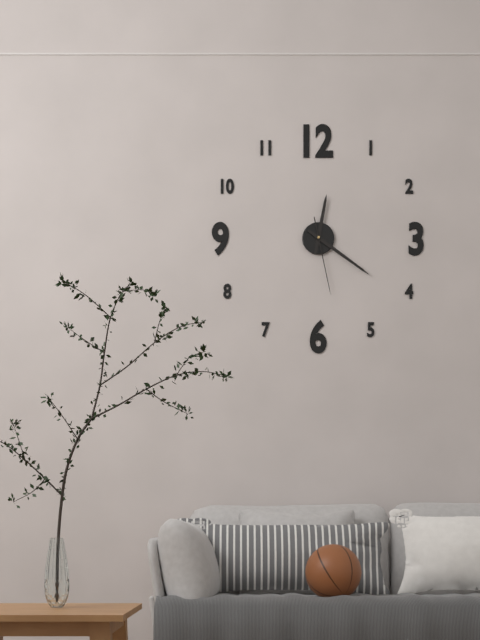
12:21:28
